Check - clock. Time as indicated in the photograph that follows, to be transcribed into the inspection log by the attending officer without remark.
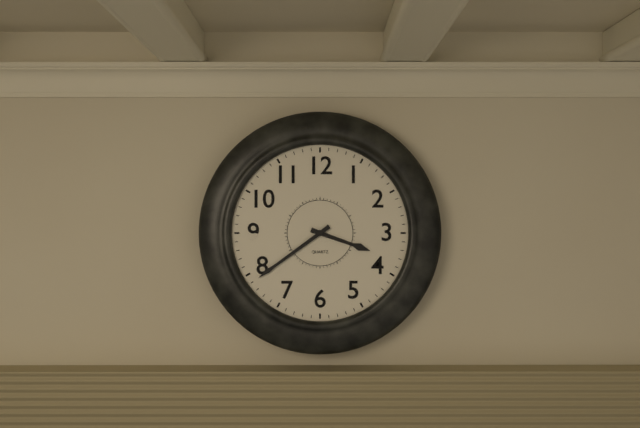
3:39
